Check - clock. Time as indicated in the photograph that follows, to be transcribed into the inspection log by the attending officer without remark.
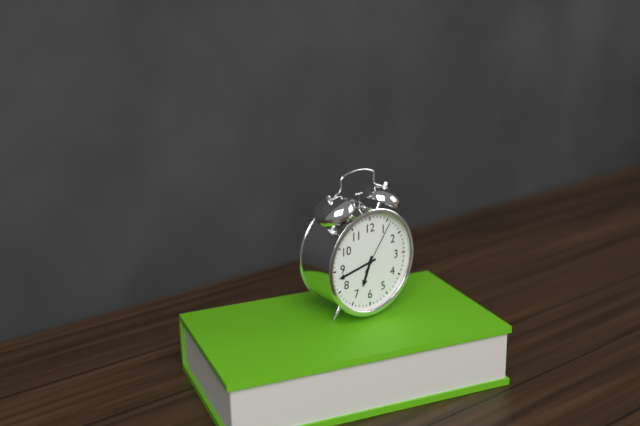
6:43:06
